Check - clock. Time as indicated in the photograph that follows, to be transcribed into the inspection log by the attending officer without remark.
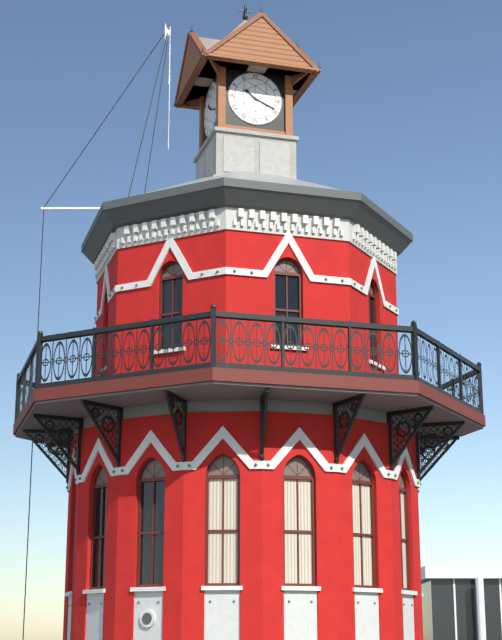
10:19
